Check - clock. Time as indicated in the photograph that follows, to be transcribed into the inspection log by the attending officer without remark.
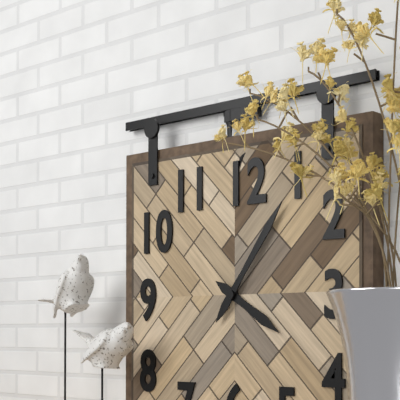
4:06
